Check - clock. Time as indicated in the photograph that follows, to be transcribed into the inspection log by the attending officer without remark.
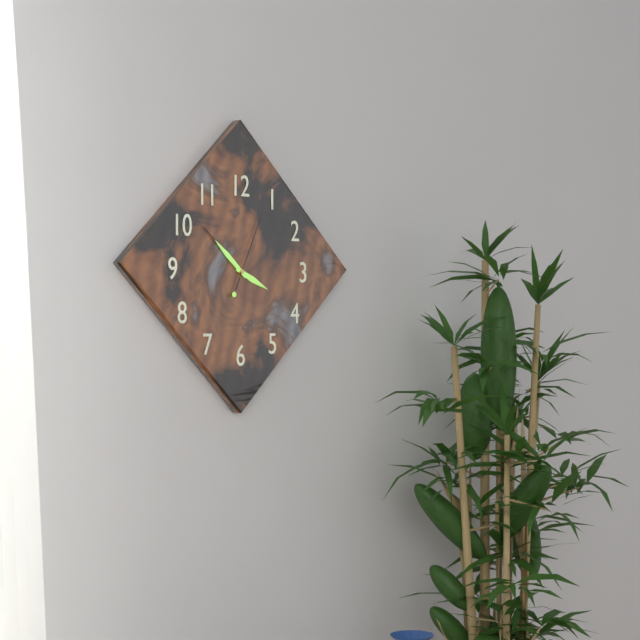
3:52:04
